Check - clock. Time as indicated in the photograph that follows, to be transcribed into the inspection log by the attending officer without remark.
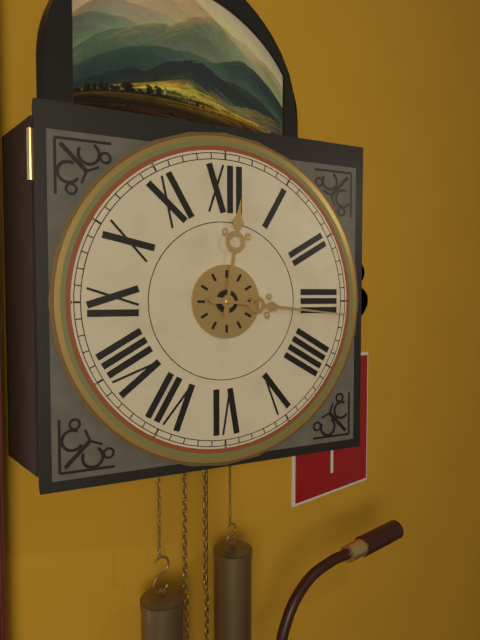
12:16
